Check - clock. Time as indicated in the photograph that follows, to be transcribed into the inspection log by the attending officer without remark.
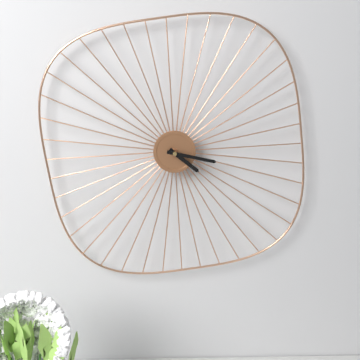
4:17
